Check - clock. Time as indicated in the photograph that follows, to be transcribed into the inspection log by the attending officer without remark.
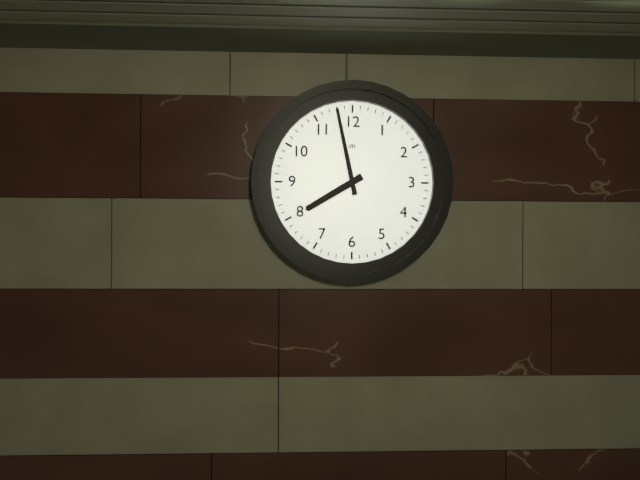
7:58
